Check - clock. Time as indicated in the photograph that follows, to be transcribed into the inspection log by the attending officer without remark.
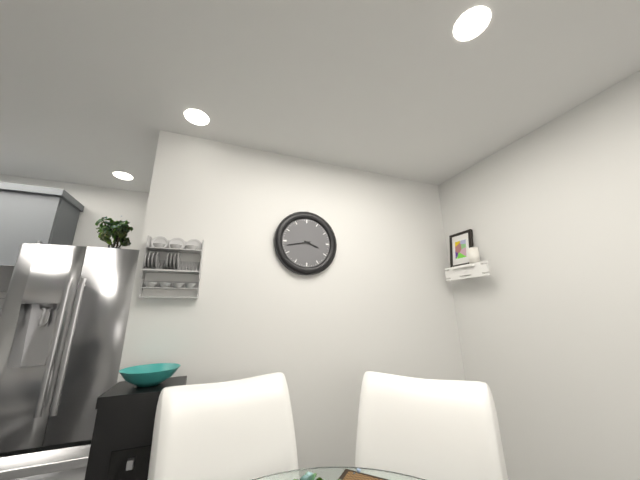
3:43
